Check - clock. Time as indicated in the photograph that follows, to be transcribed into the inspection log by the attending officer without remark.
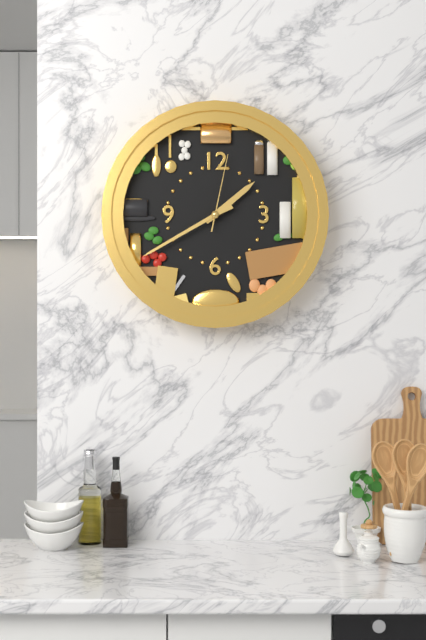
1:40:02
